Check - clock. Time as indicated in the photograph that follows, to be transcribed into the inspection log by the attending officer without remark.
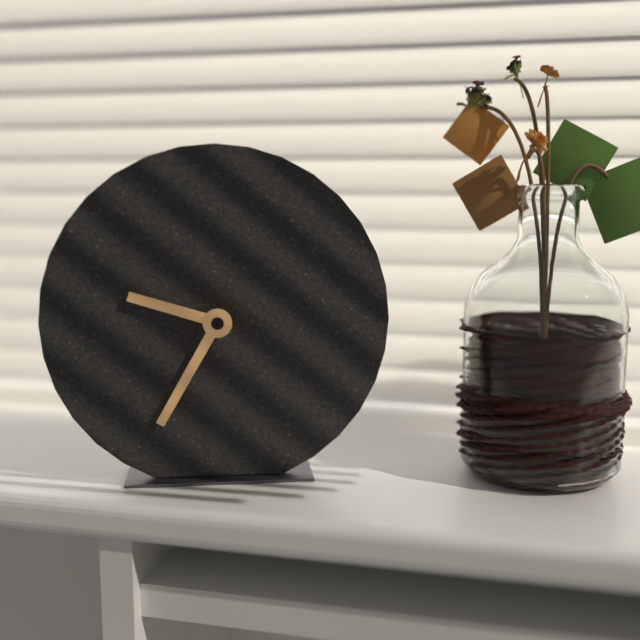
9:35
